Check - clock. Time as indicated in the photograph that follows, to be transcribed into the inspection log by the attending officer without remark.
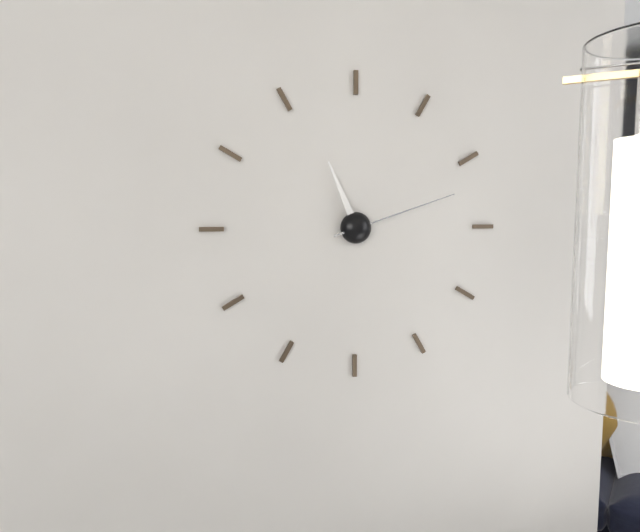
11:12
